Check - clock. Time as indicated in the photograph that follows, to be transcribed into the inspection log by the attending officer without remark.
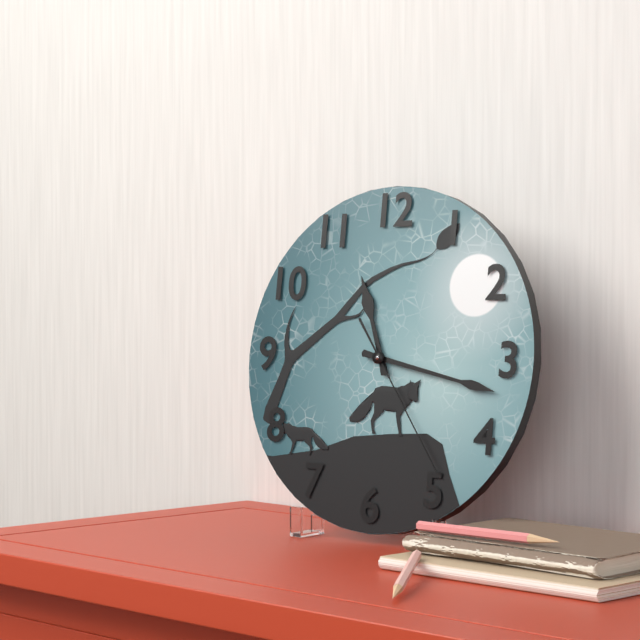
11:17:24
